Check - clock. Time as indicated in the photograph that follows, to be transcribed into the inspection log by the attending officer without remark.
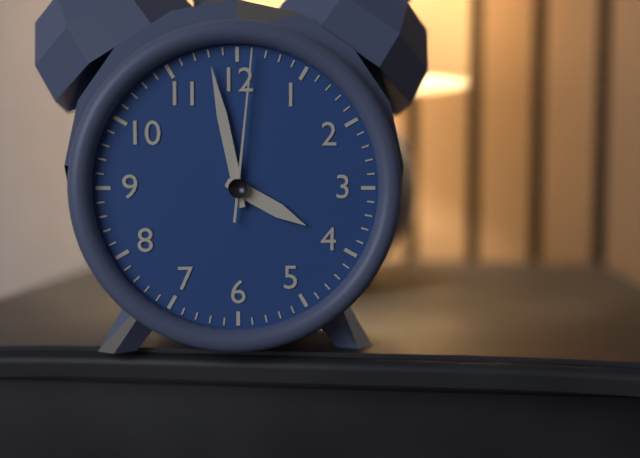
3:58:01
